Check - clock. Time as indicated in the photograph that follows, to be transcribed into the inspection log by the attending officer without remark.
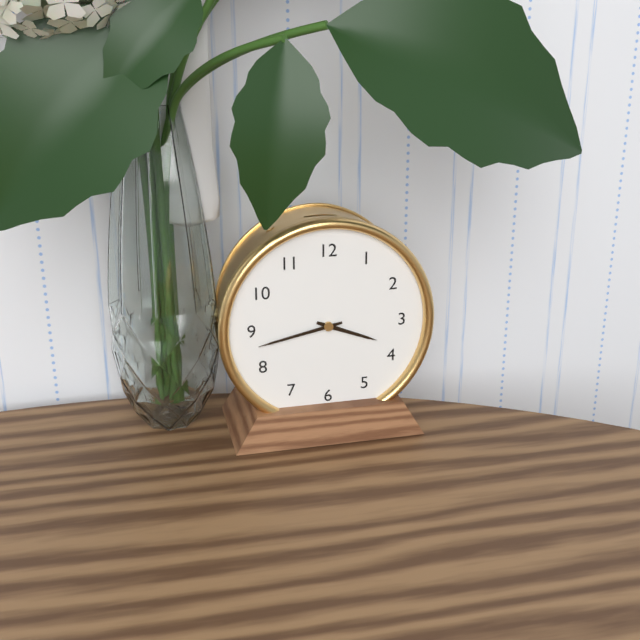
3:43
